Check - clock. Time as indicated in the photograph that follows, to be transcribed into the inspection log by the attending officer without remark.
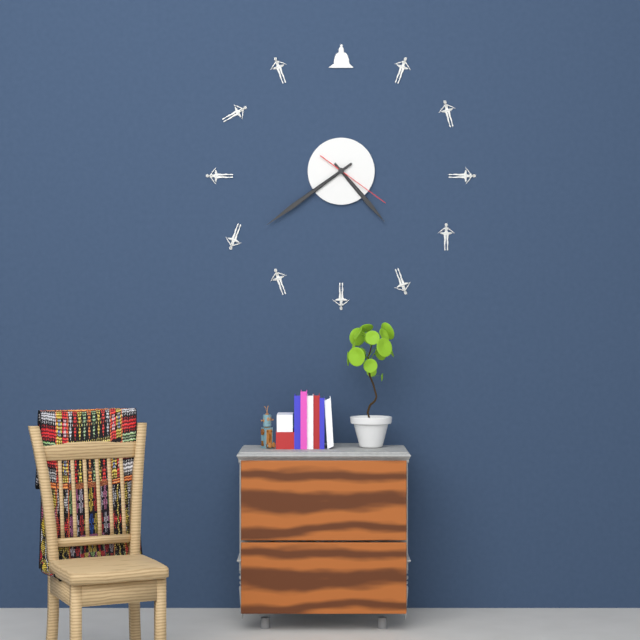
4:39:21
